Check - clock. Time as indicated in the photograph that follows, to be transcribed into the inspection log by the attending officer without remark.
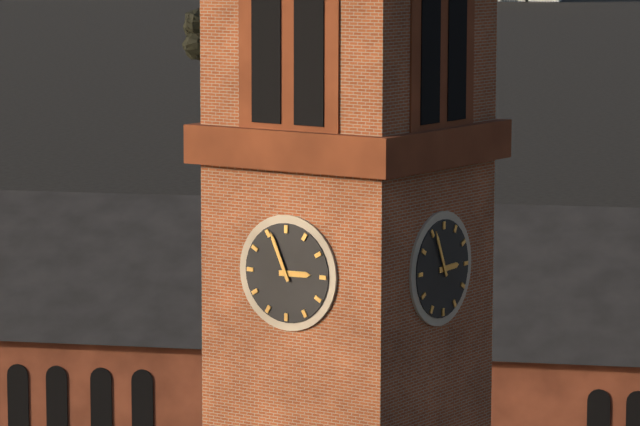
2:56
